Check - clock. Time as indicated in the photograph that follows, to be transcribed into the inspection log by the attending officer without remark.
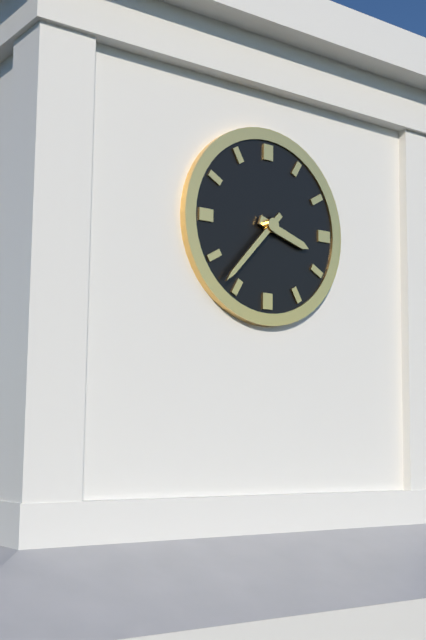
3:37
